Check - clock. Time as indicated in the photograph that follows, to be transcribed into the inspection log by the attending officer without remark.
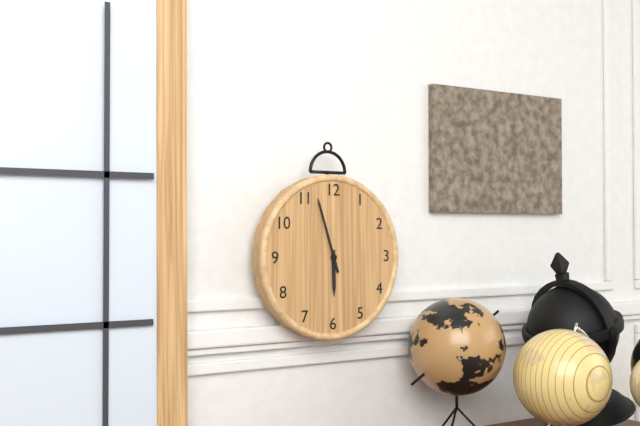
5:57
